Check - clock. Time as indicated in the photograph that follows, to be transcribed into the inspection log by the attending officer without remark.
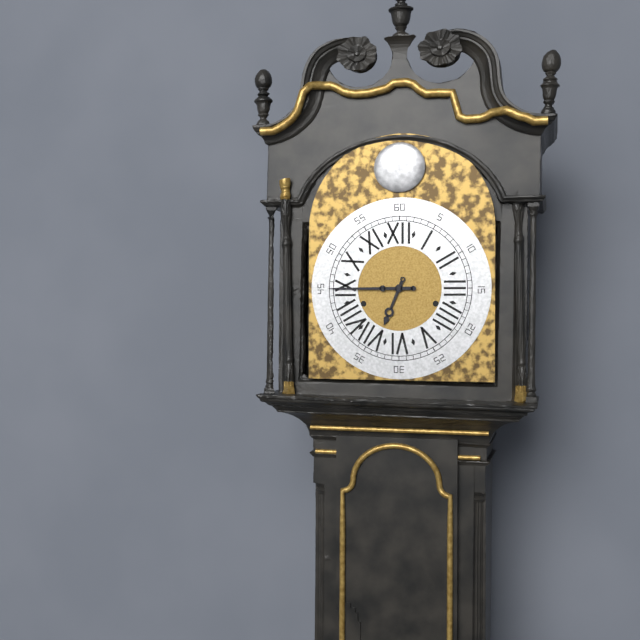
6:45
